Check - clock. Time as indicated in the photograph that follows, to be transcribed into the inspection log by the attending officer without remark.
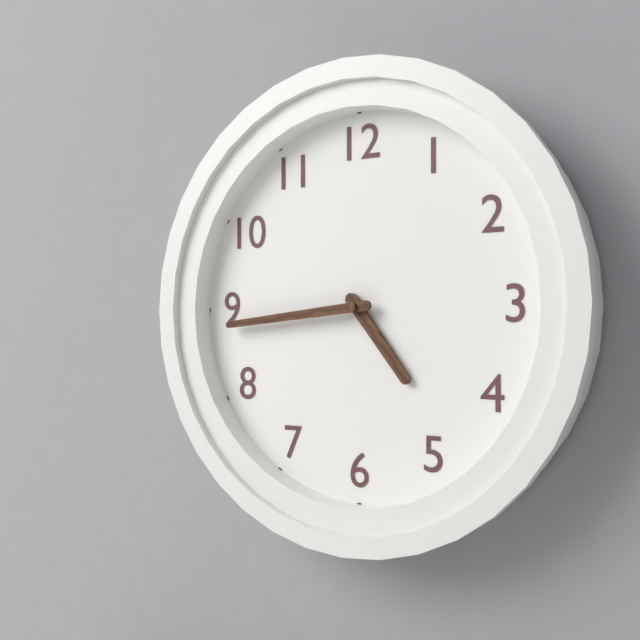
4:44
